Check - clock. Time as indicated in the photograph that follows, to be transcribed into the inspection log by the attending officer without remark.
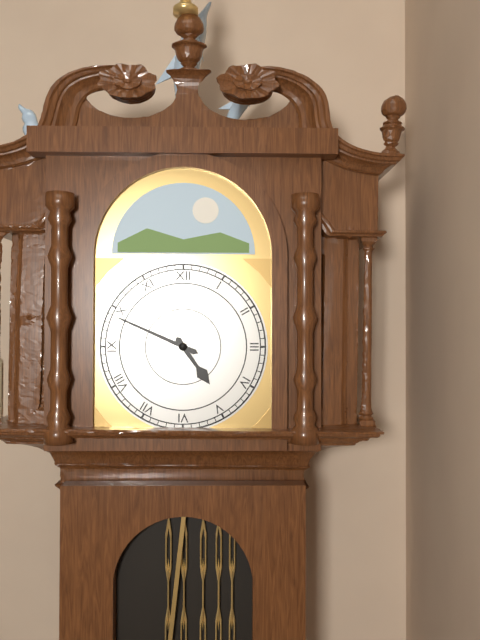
4:49
